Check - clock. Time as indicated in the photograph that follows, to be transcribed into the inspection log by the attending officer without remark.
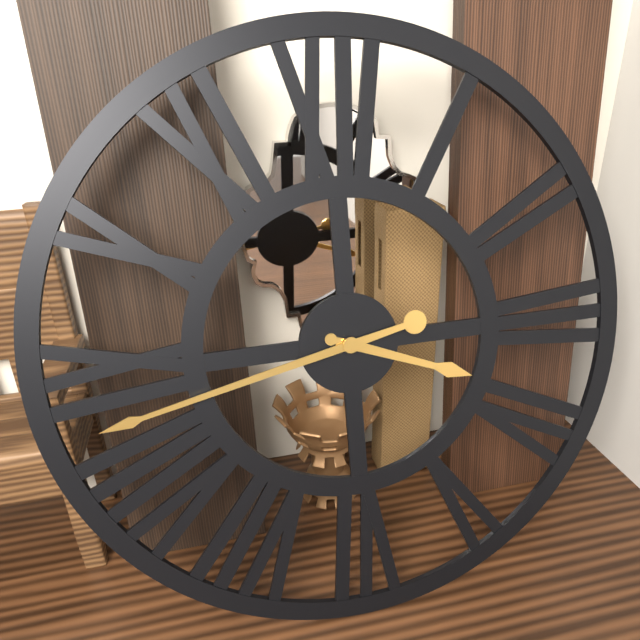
3:43
